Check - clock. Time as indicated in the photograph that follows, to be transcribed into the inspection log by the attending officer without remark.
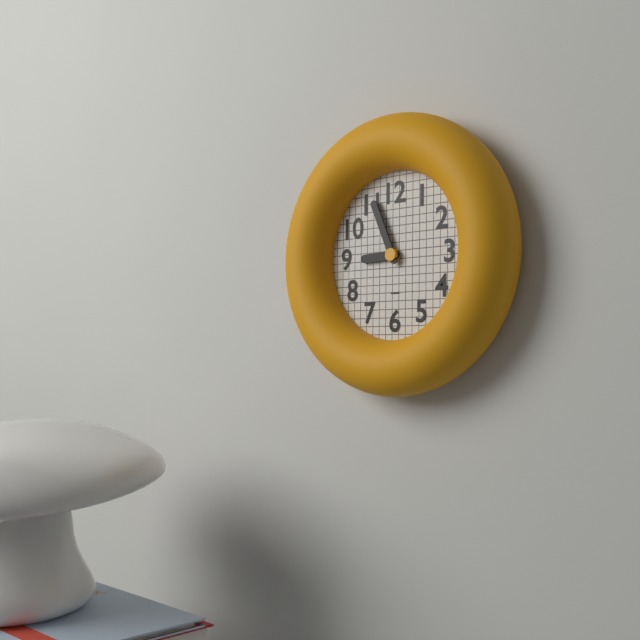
8:56
